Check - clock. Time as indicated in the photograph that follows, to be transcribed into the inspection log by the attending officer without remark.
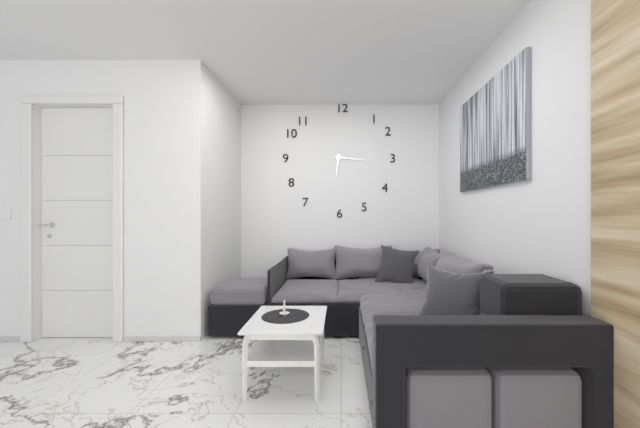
6:16
